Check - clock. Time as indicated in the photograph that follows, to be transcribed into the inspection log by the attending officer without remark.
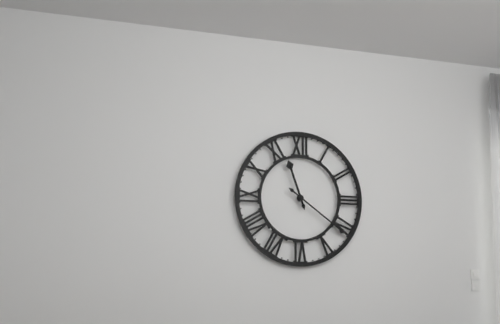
11:21
